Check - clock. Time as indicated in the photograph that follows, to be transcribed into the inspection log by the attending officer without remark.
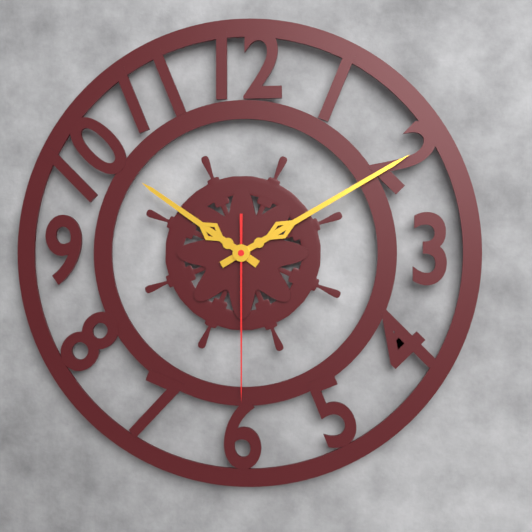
10:10:30
